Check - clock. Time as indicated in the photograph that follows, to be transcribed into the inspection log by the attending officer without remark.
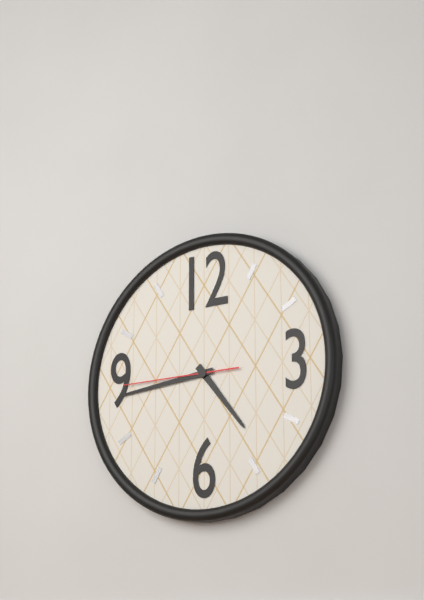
4:44:45
